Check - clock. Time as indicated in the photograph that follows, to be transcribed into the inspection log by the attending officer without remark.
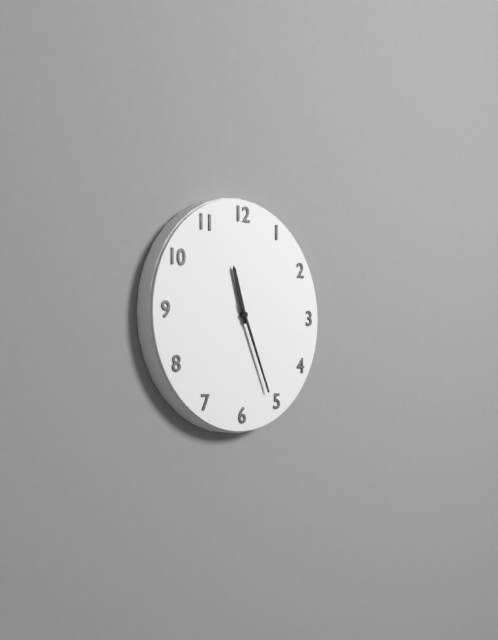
11:26
